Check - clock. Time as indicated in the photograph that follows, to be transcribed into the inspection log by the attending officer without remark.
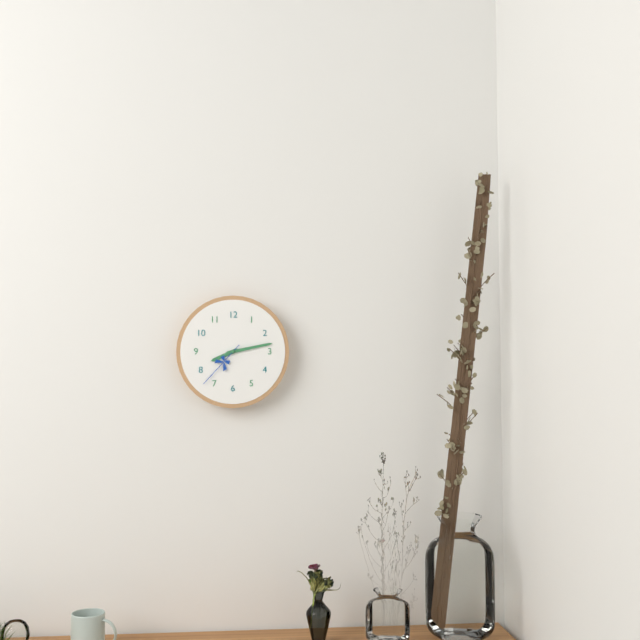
8:13:37
